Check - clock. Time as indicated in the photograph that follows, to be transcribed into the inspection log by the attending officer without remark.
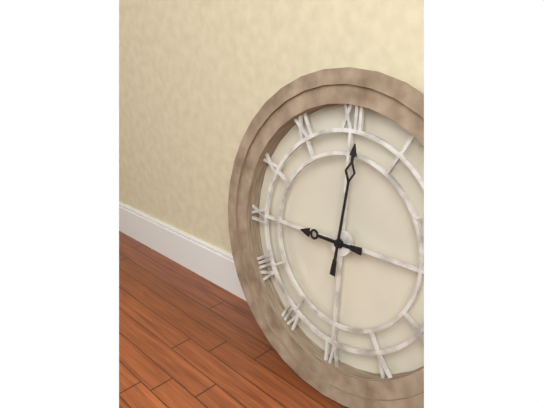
9:01
